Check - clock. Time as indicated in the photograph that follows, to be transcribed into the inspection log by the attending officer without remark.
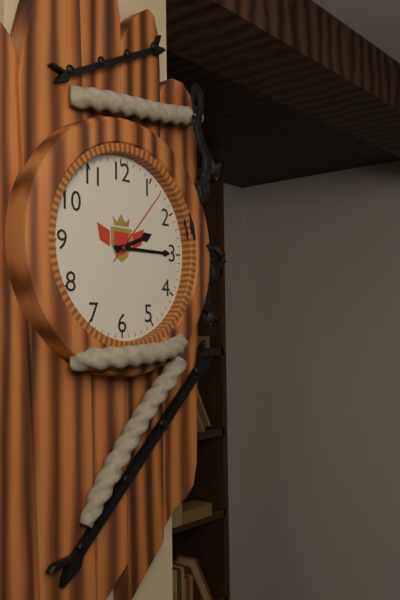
2:15:07
